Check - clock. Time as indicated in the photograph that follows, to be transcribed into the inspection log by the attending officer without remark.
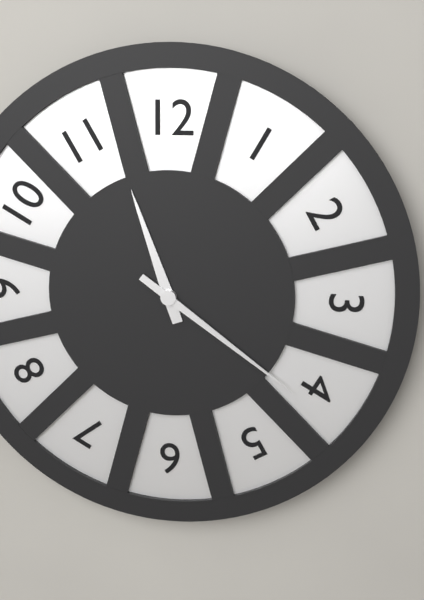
11:21
